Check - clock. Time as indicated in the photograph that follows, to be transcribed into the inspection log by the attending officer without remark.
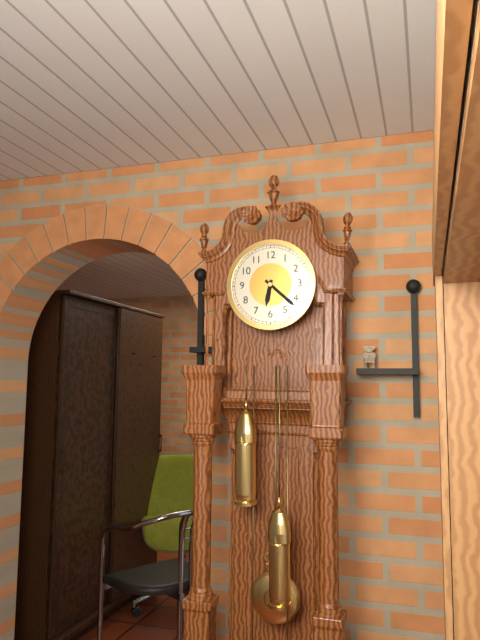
6:22
